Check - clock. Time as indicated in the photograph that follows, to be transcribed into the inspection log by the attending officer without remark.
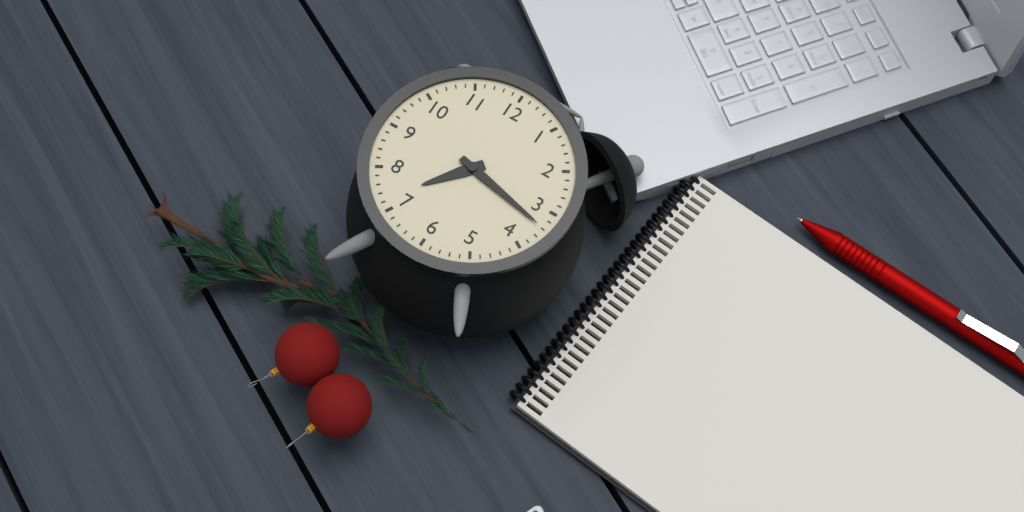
7:17
